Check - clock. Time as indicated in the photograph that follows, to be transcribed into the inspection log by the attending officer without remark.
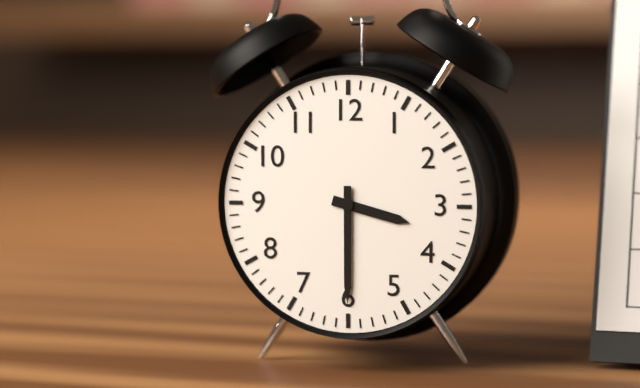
3:30
